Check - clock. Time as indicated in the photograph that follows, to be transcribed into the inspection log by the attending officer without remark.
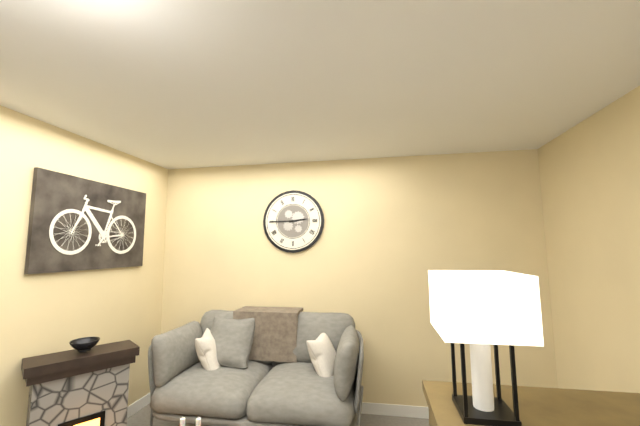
2:45
